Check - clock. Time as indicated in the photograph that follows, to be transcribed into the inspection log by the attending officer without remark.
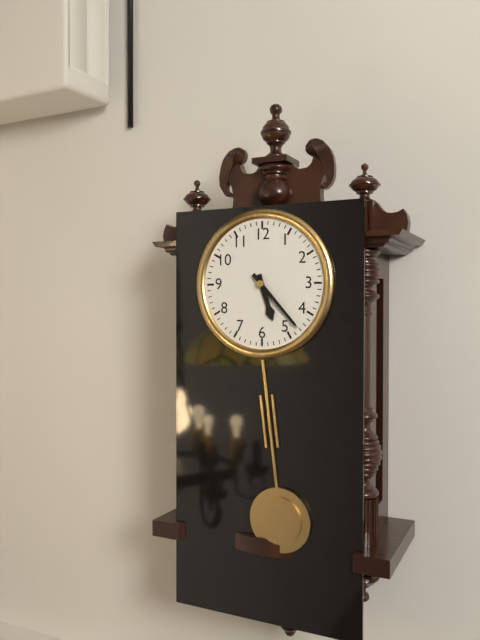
5:23
